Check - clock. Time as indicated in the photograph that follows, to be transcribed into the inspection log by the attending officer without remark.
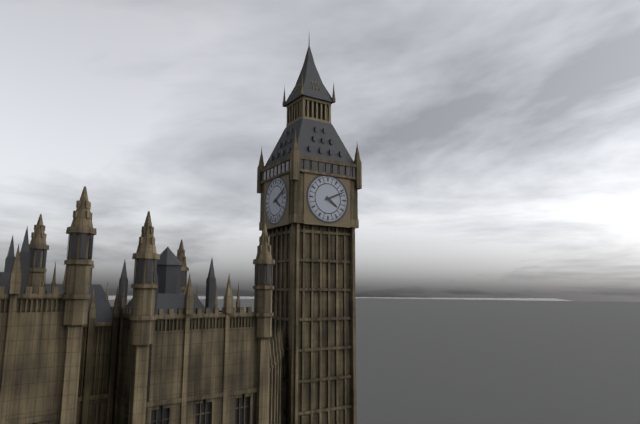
4:11
